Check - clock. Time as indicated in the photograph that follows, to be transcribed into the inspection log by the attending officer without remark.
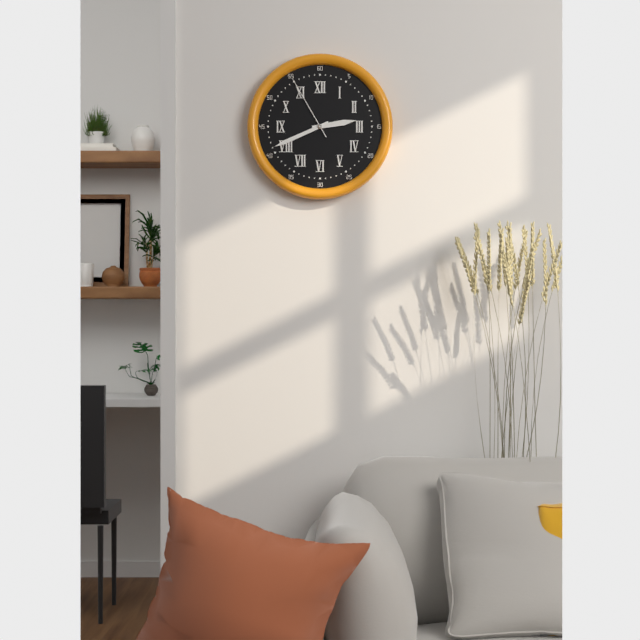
2:41:55
